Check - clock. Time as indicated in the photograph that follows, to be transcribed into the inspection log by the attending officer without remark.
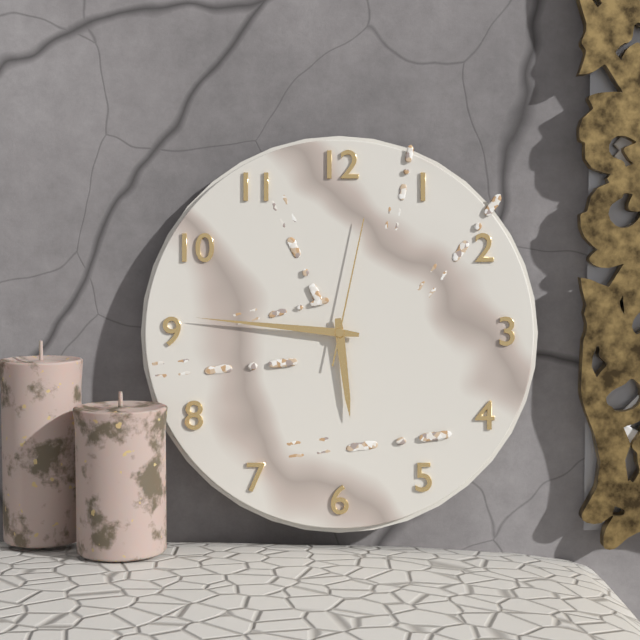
5:46:02
